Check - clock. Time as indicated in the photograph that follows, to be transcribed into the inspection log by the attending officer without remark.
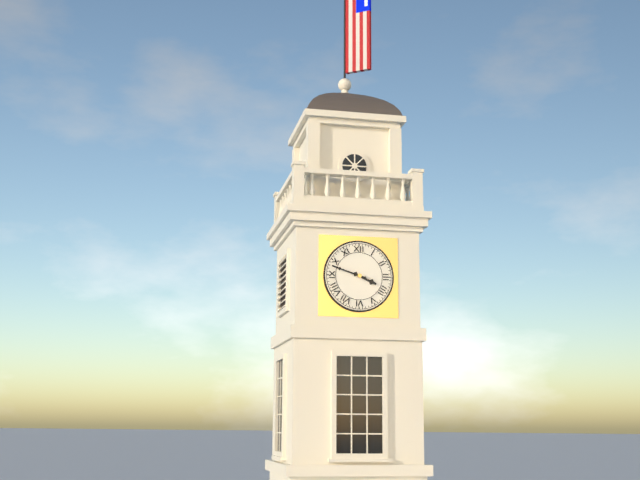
3:48
